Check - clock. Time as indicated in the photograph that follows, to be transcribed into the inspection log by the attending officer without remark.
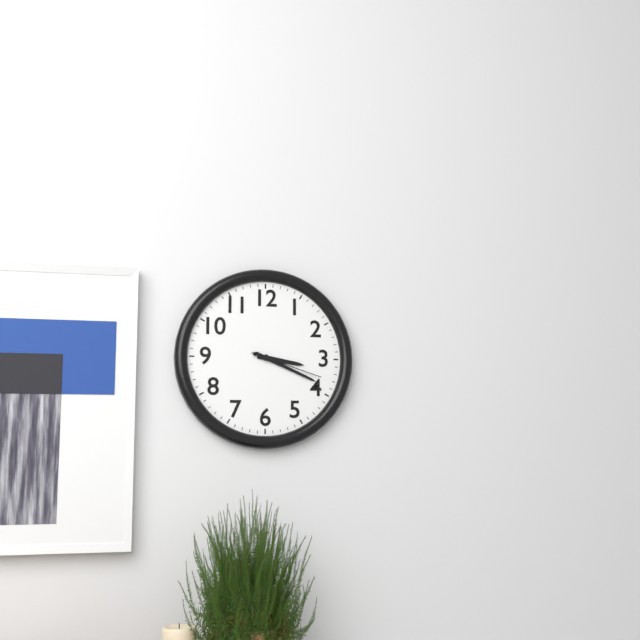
3:19:18
